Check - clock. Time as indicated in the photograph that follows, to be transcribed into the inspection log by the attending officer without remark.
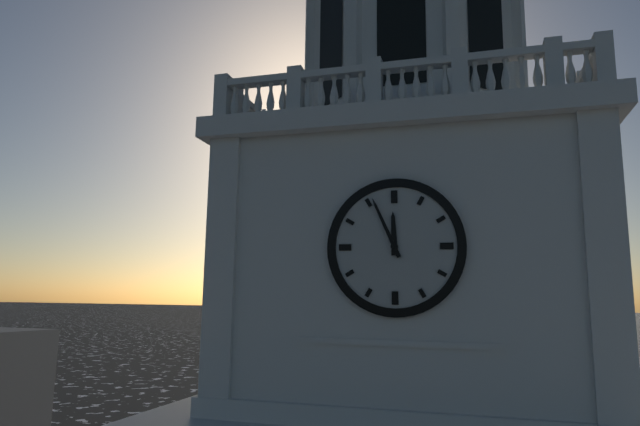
11:56
